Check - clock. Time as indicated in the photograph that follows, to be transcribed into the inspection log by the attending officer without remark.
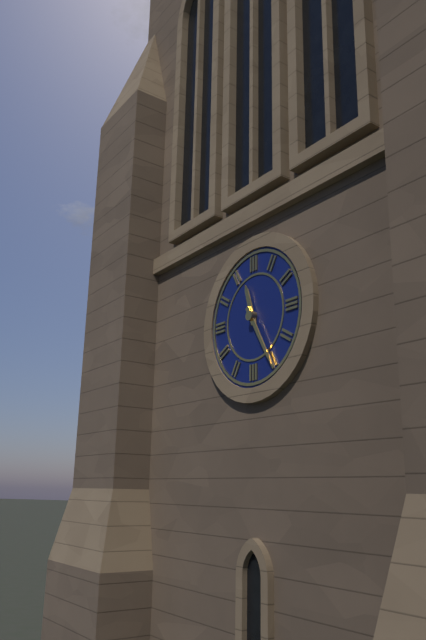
11:25
